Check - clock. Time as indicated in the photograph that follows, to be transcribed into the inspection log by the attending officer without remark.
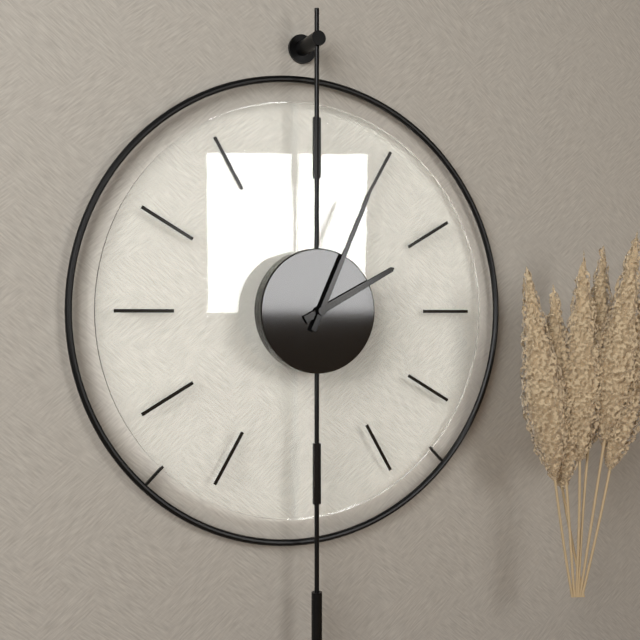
2:04
